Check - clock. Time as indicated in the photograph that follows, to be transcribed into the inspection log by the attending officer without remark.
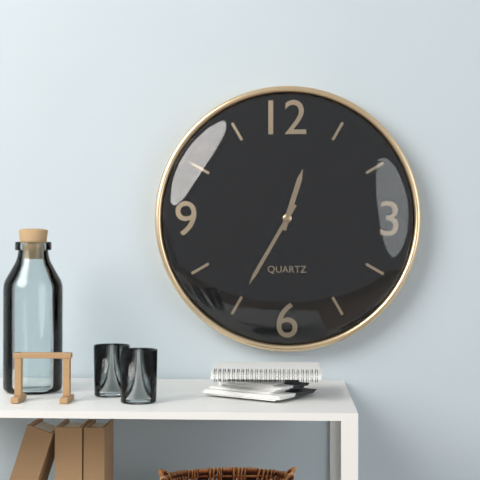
12:35
